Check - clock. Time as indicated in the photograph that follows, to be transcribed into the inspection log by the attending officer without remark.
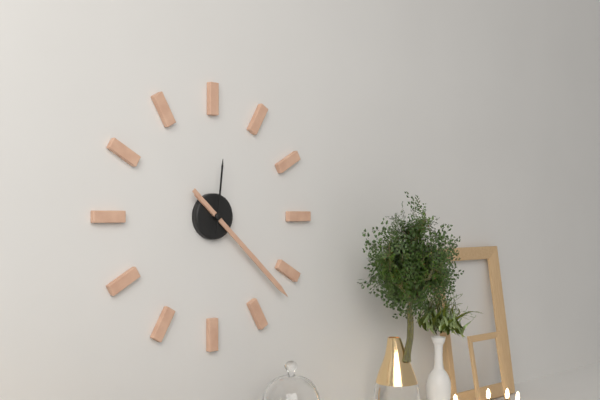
4:22:01
